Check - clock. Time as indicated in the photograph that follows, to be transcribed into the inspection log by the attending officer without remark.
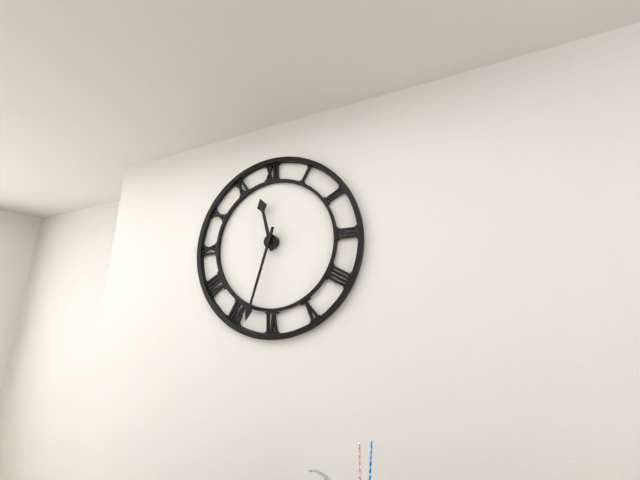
11:33
